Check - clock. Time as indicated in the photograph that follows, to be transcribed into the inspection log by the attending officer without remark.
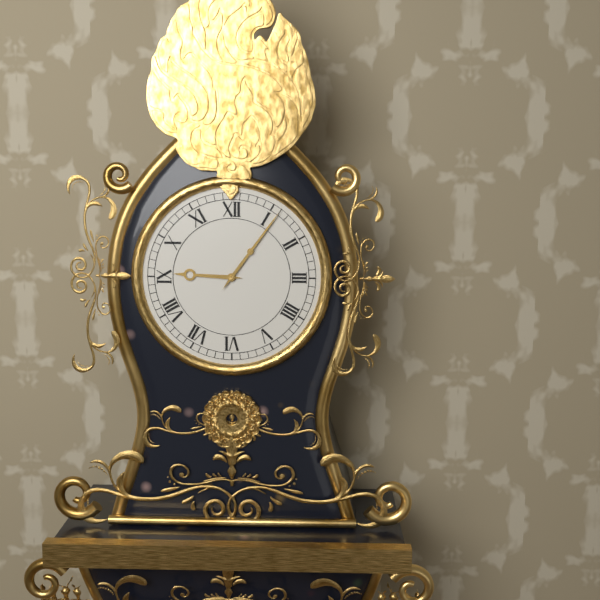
9:06
